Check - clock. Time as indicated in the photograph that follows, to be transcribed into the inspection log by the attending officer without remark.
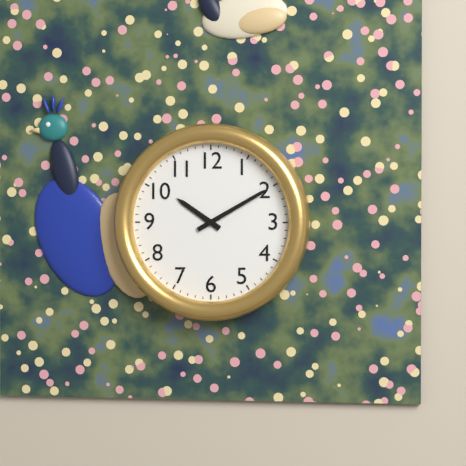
10:10
